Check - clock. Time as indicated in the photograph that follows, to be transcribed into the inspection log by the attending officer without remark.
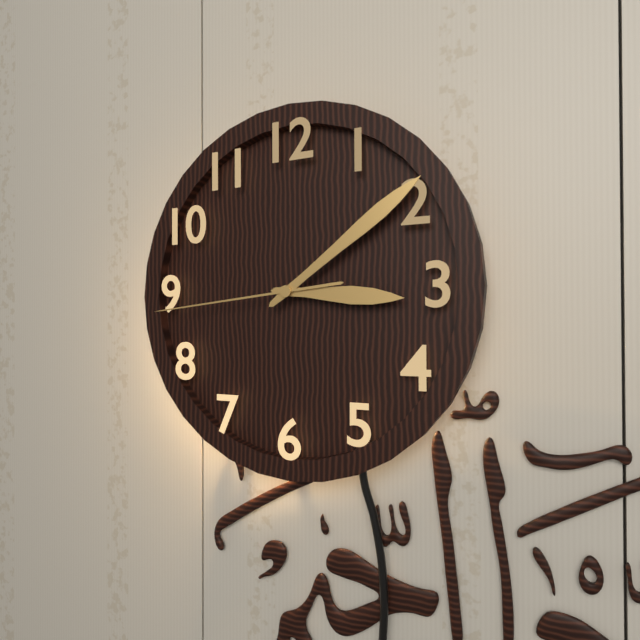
3:09:44
